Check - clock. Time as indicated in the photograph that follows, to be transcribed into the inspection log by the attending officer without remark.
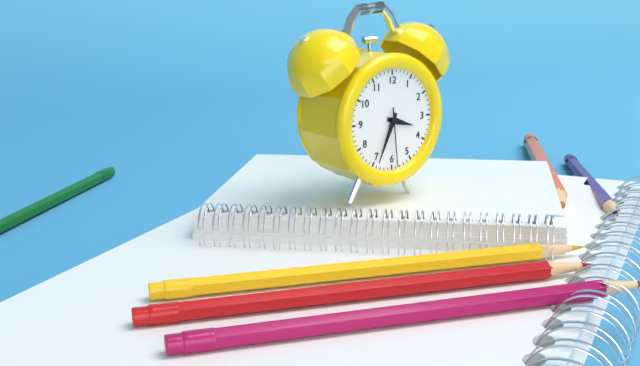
3:34:29
